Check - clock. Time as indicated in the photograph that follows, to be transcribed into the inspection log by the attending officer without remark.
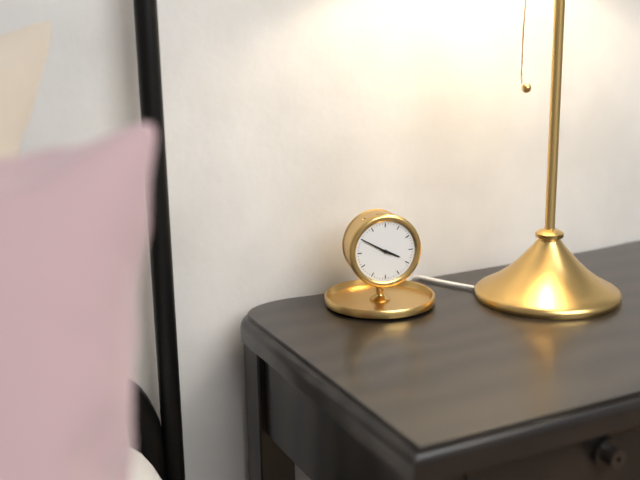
3:50
